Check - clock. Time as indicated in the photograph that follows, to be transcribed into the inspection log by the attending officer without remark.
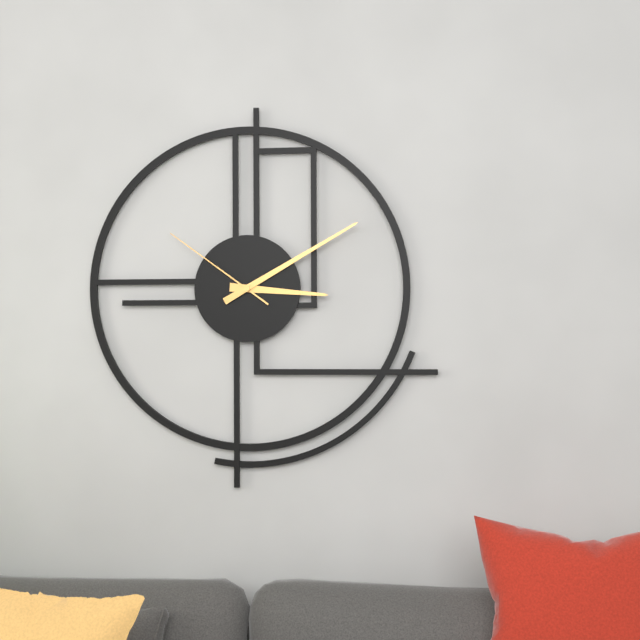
3:10:51
